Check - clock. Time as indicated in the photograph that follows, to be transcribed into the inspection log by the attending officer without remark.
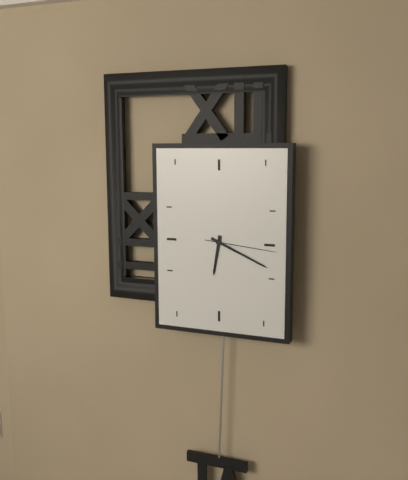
6:19:16
